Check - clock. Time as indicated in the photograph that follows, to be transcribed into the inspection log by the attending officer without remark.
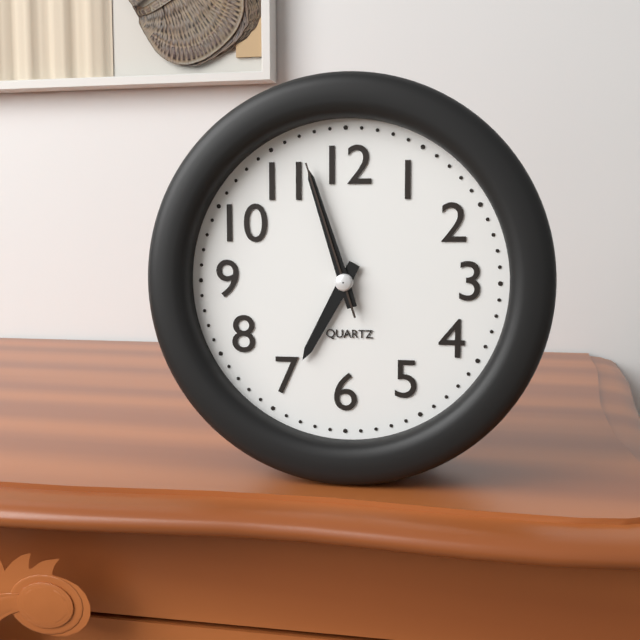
6:57:57
